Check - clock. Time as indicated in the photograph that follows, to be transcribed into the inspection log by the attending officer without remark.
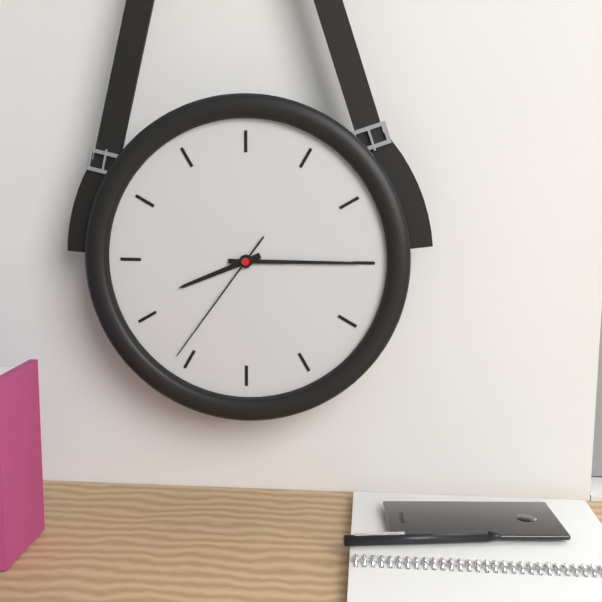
8:15:36
